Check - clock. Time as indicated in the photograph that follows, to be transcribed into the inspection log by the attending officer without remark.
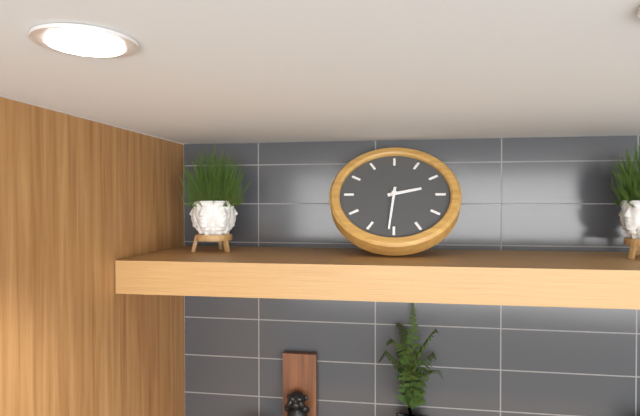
2:31
